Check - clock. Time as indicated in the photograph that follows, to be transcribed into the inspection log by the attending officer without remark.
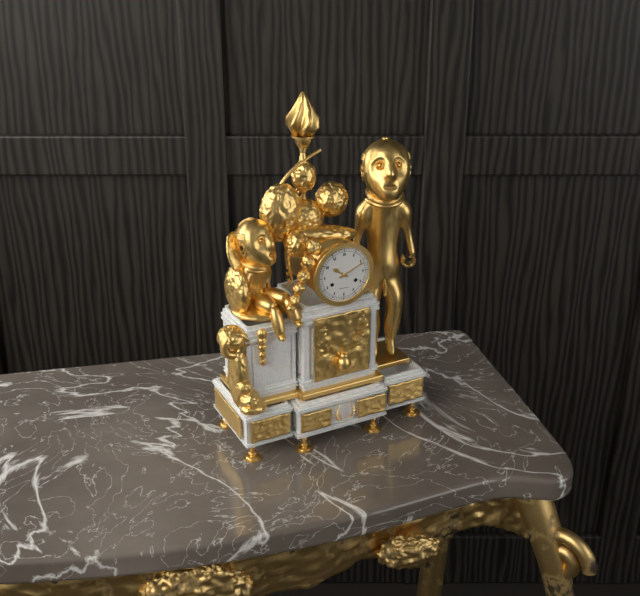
10:11
